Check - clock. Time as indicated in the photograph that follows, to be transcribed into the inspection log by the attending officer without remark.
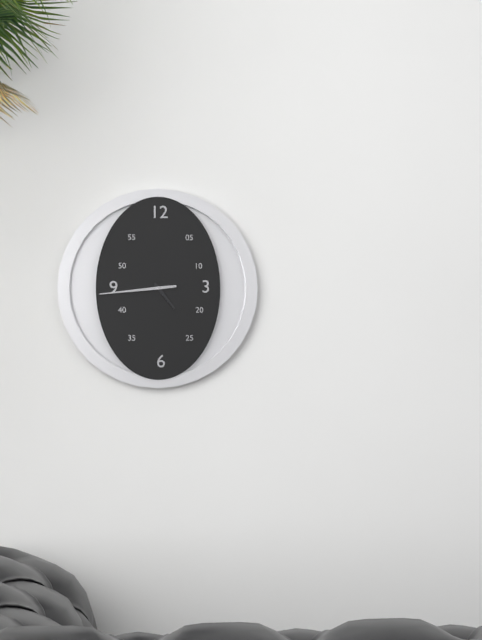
4:44
